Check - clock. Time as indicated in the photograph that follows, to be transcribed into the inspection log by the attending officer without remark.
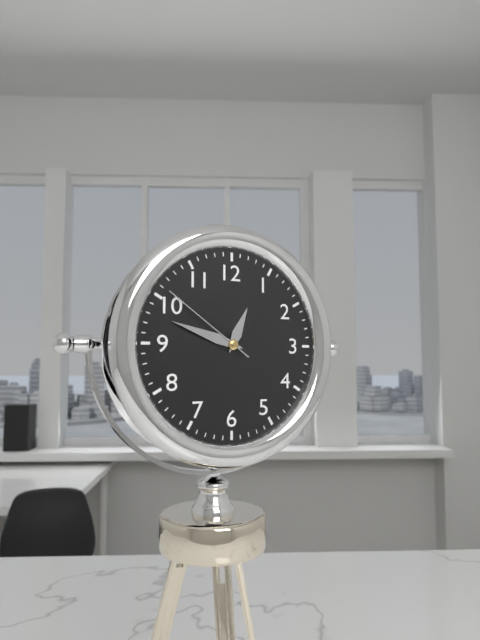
12:48:51
